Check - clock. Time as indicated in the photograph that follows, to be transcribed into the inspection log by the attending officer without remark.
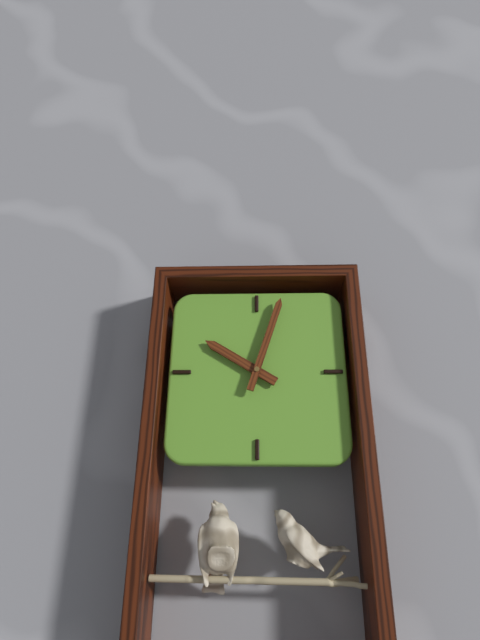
10:03
